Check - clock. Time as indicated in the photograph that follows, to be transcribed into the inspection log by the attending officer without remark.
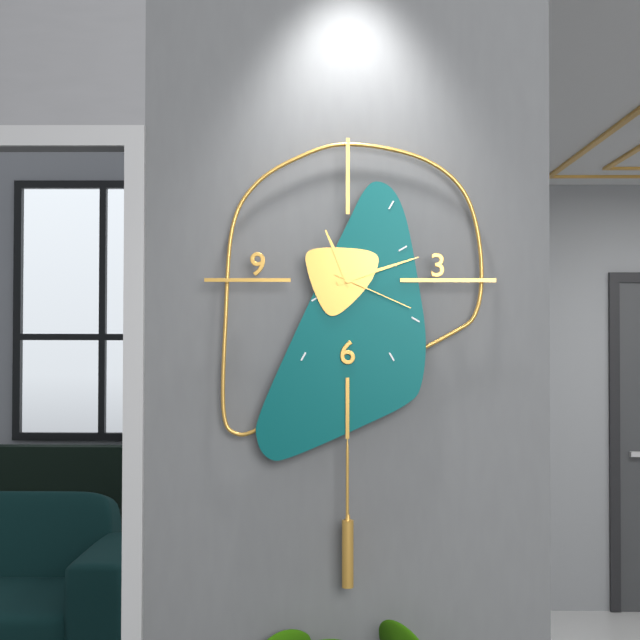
11:12:19
